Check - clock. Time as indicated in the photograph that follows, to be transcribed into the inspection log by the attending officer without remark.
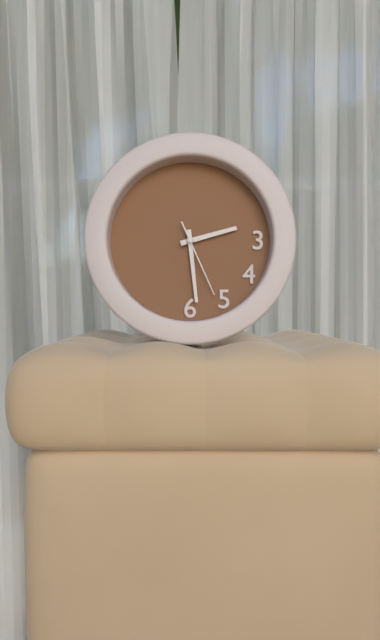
2:29:26
